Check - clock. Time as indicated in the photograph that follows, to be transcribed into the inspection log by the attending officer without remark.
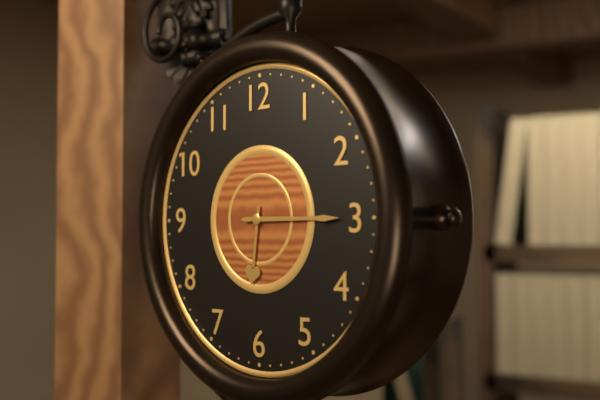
6:15
